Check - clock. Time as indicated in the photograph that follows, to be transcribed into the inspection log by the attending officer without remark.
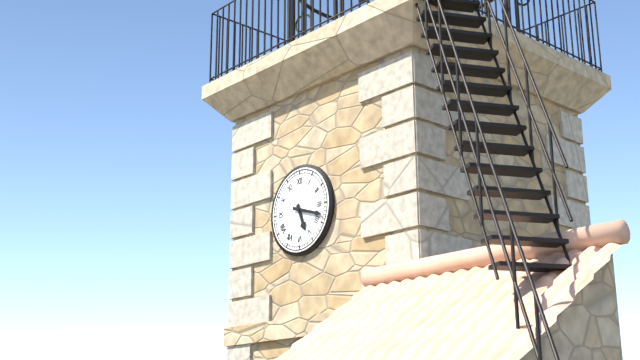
5:18
